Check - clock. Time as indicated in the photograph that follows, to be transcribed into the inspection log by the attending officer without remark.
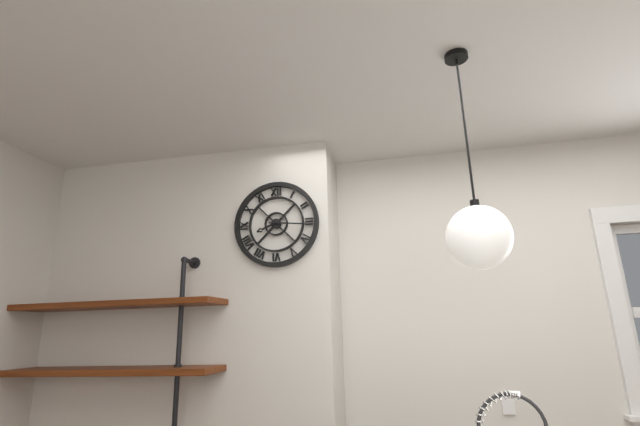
8:16
